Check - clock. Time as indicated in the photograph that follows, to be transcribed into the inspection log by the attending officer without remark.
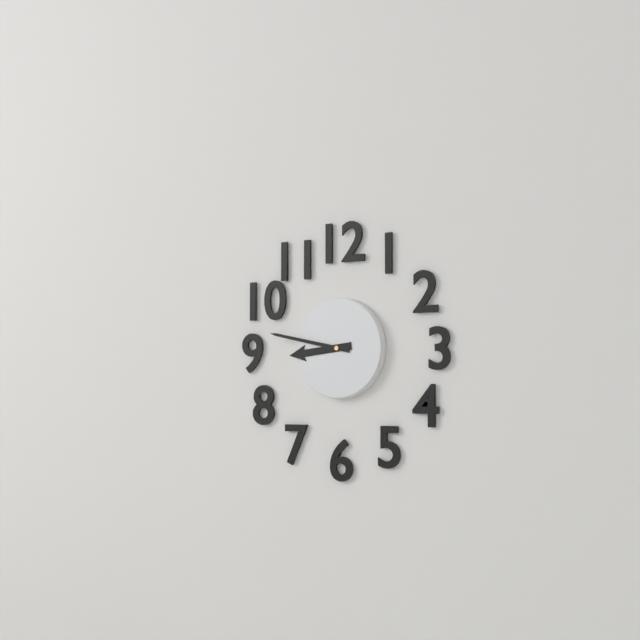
8:47
